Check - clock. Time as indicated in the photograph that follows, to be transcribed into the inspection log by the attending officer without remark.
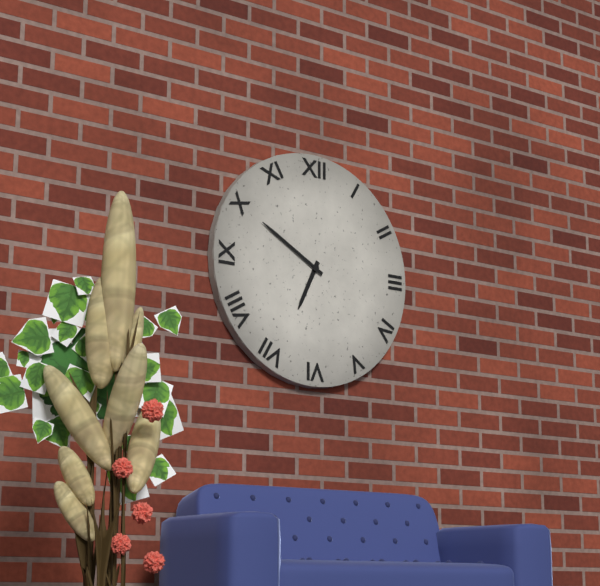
6:50
